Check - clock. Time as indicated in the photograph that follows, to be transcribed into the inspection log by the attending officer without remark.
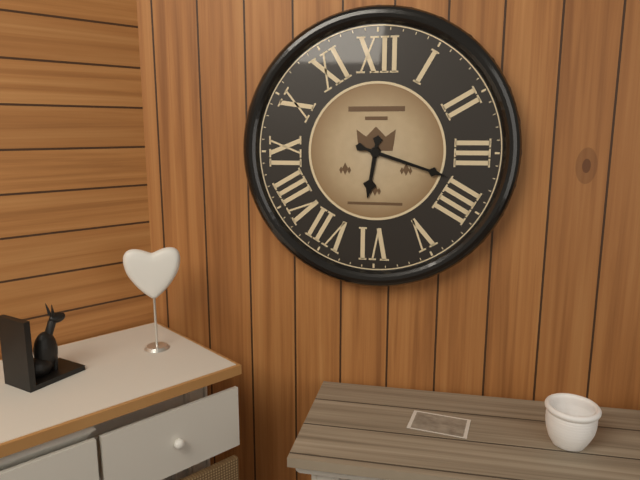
6:18
